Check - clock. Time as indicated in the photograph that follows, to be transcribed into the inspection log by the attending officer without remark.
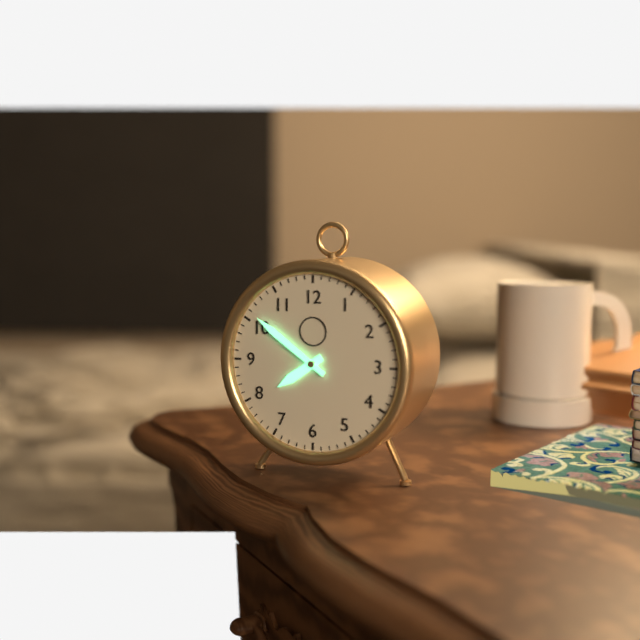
7:51
